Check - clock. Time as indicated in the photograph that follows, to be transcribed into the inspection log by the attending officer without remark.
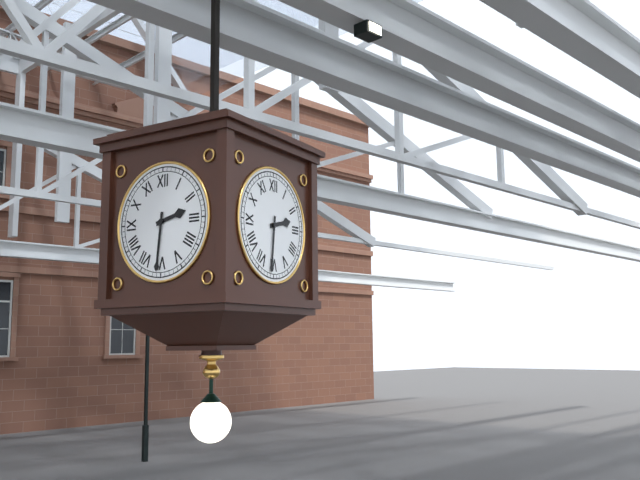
2:31
